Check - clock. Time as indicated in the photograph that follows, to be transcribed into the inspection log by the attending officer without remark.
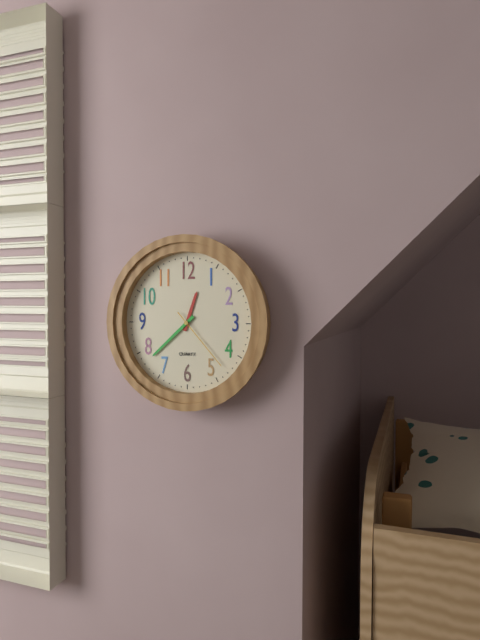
12:38:23
